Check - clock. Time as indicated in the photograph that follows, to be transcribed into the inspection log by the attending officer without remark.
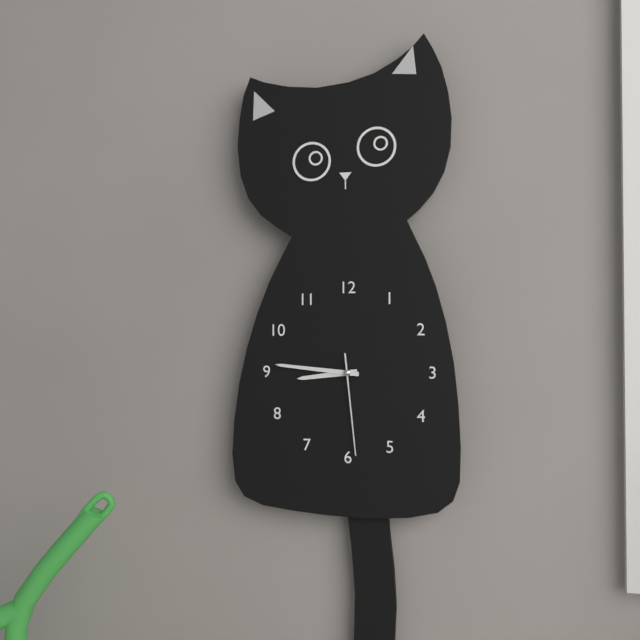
8:46:29
